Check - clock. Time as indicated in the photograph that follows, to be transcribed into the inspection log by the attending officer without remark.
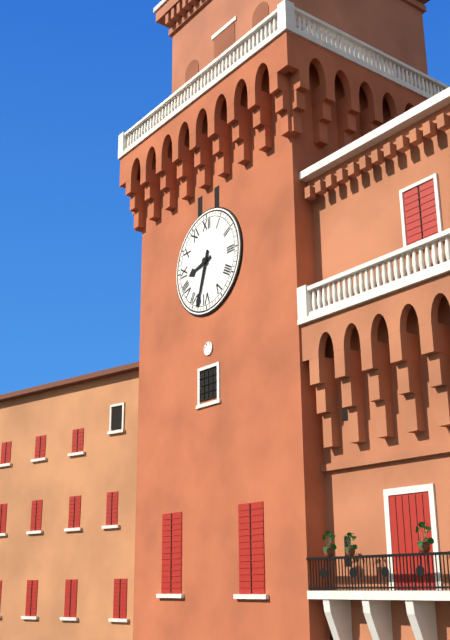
8:33
